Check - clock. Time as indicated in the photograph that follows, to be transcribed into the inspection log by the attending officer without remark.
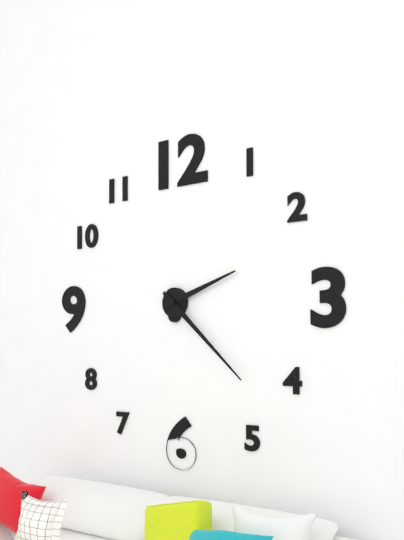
2:22
